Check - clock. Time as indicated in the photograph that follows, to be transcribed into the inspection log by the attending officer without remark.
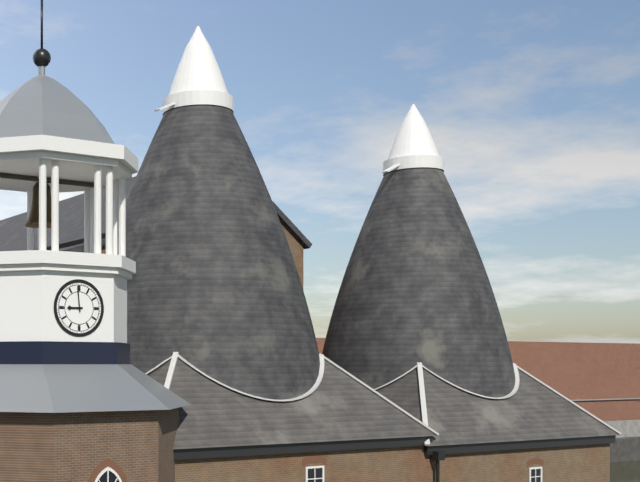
8:59
